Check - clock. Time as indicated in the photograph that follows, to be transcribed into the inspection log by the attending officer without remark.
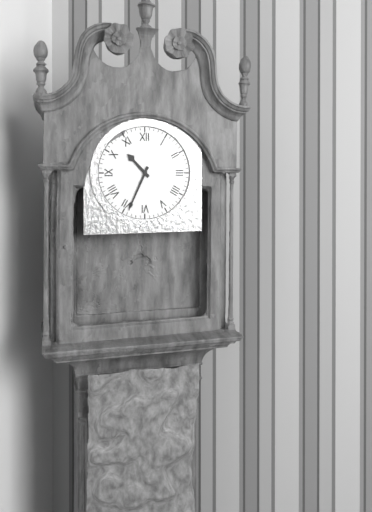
10:34
